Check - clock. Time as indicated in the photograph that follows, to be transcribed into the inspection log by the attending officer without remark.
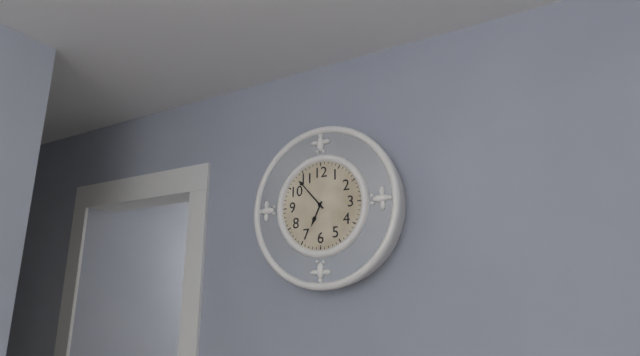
6:53
